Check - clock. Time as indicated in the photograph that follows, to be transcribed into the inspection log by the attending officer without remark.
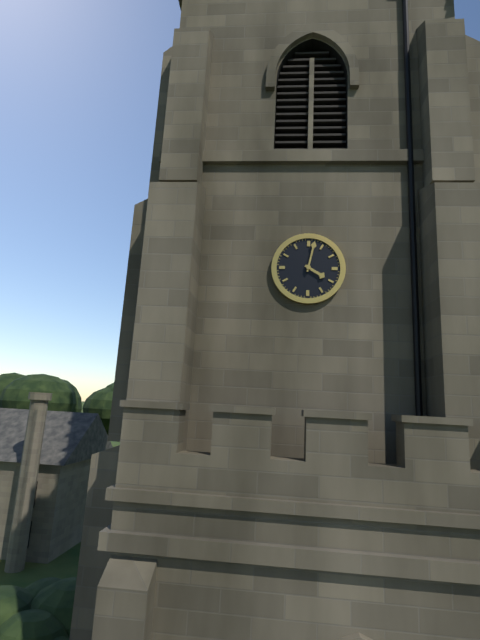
4:02
